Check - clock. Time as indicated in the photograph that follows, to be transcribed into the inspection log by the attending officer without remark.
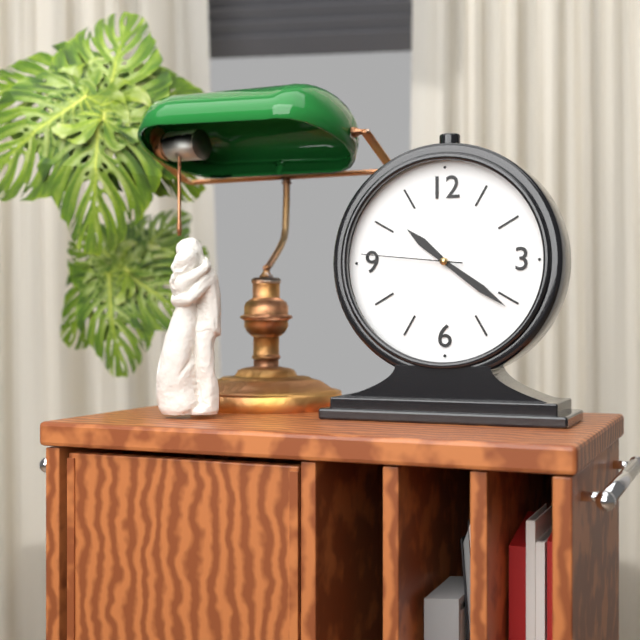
10:21:46
